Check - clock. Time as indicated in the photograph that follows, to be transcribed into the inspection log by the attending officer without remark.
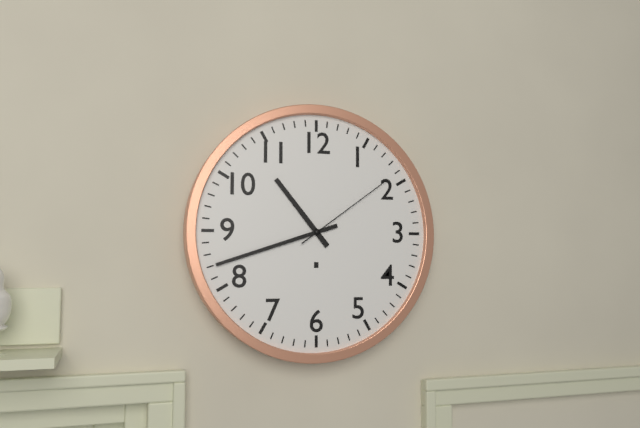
10:42:09
